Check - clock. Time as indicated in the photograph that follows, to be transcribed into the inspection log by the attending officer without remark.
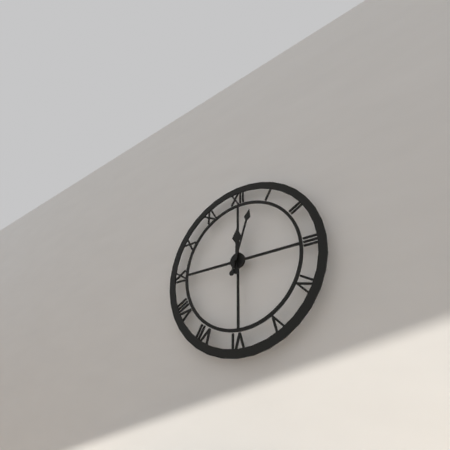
12:03
